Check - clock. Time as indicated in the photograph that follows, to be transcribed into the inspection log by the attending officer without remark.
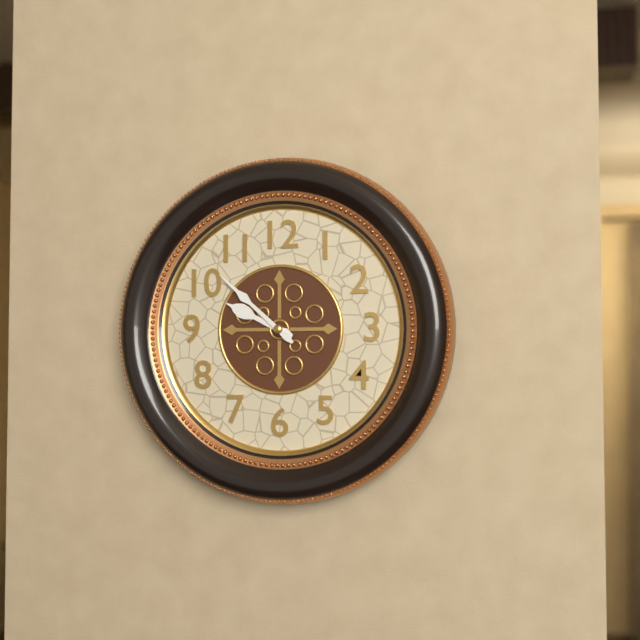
9:52
